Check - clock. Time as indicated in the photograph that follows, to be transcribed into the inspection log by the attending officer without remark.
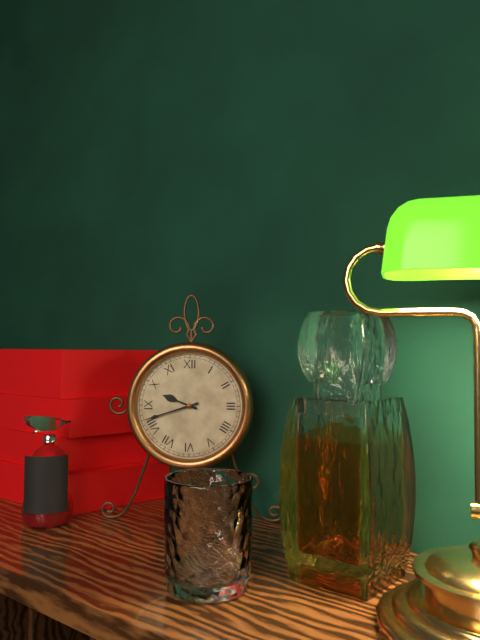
9:42
